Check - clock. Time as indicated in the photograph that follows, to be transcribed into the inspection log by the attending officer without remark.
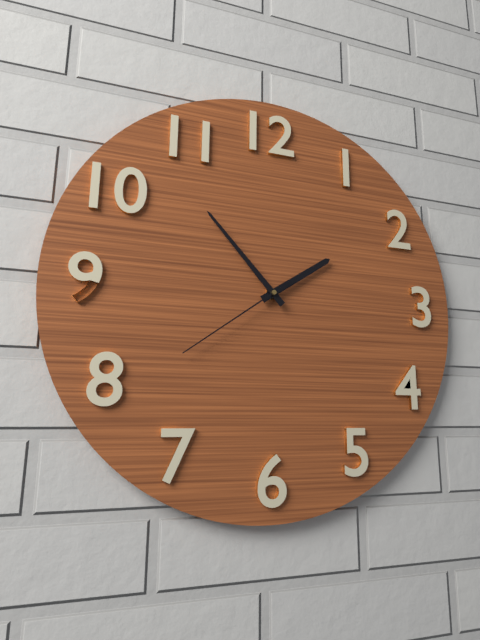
1:53:39
